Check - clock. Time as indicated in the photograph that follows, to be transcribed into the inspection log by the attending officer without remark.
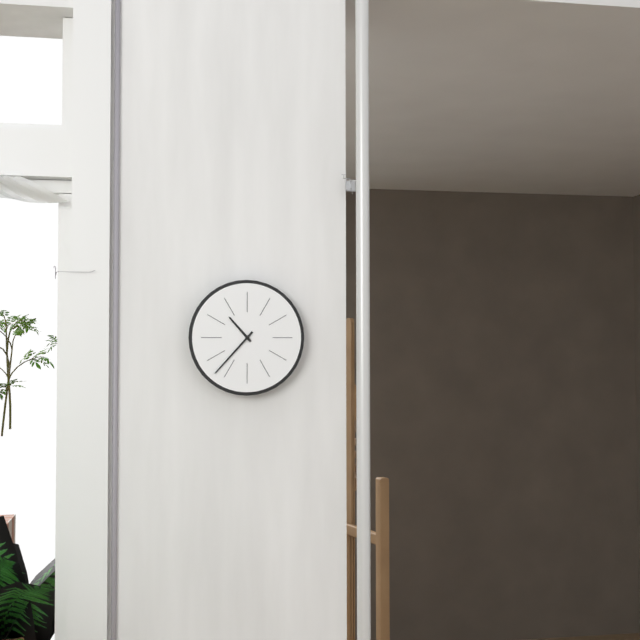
10:37
